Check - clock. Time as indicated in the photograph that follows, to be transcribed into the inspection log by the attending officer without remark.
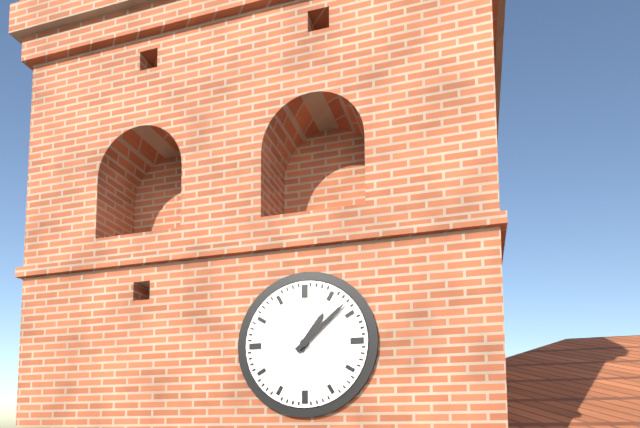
1:08
